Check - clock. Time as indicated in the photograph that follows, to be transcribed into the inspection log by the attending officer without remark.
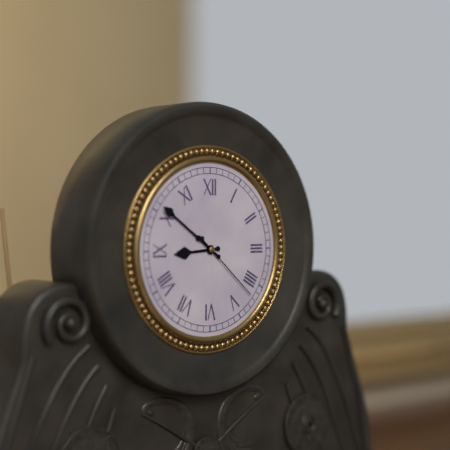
8:51:22
